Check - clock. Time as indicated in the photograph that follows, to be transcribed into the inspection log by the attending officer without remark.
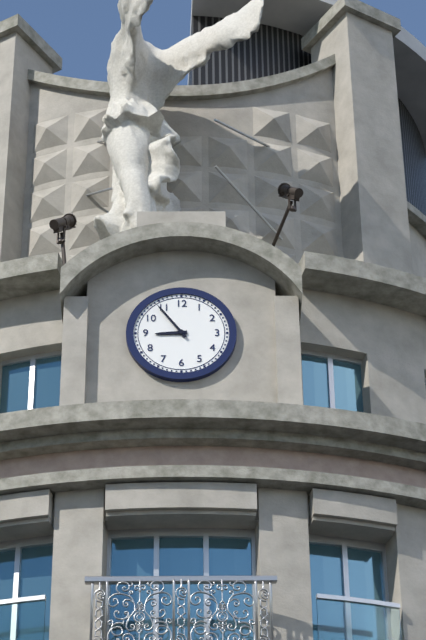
8:54
